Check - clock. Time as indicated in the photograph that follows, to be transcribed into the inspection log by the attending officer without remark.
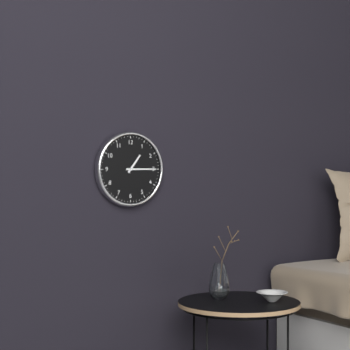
1:15
